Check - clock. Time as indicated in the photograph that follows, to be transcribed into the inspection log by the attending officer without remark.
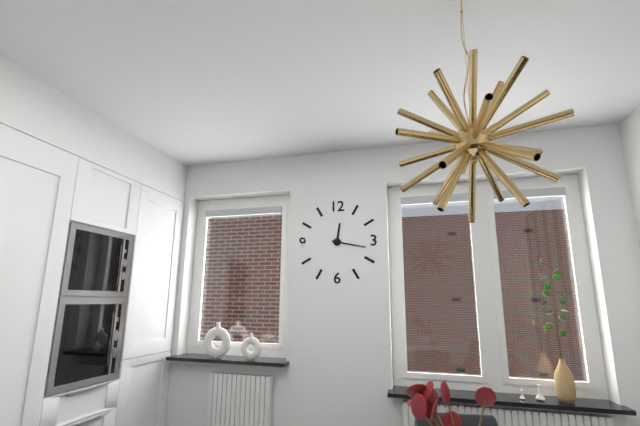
12:17
